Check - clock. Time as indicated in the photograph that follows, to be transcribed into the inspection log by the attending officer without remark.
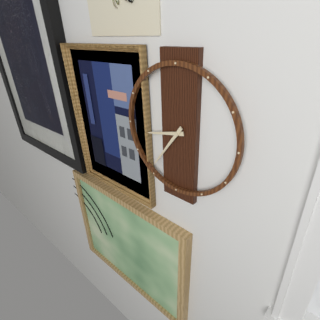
8:36
